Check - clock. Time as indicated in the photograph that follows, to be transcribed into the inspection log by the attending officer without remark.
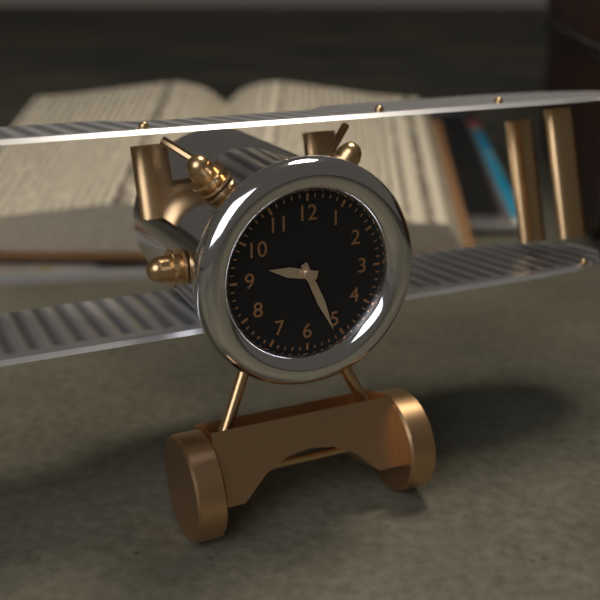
9:26
